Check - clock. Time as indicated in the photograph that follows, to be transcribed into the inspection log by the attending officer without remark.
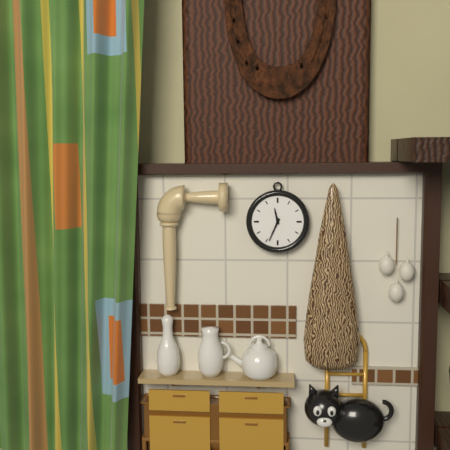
11:34
